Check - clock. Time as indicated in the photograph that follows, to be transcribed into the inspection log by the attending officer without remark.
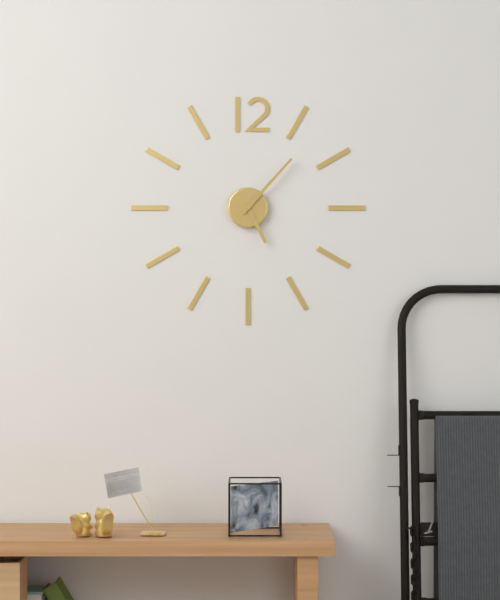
5:07
